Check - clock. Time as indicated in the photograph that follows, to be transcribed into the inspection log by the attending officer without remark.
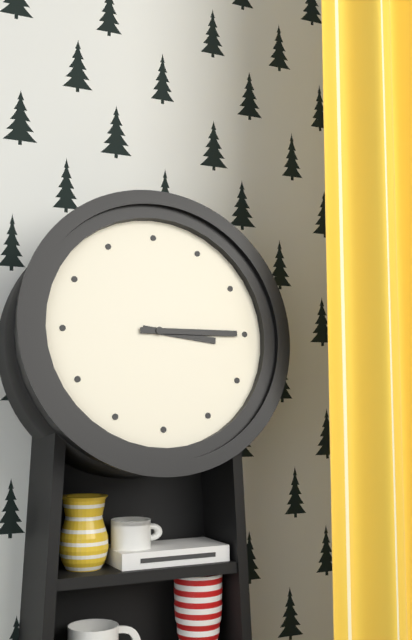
3:15
